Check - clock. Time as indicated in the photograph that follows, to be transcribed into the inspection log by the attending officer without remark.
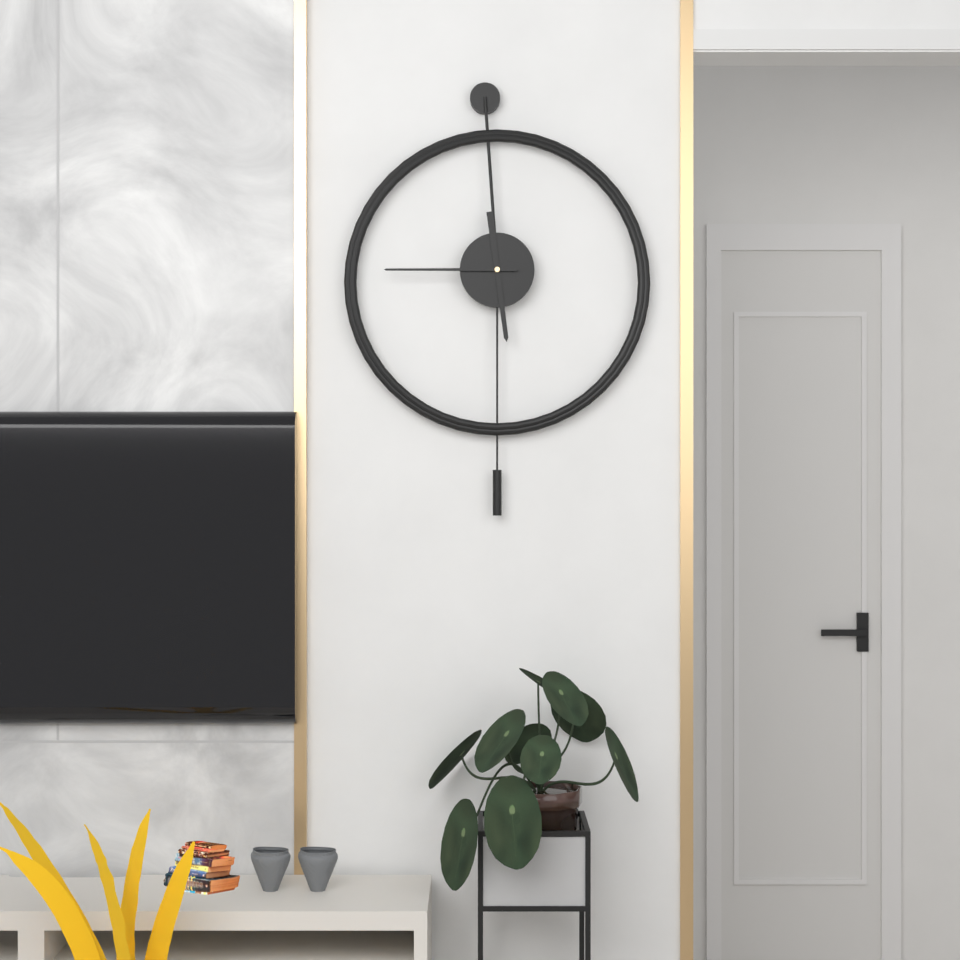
5:45
